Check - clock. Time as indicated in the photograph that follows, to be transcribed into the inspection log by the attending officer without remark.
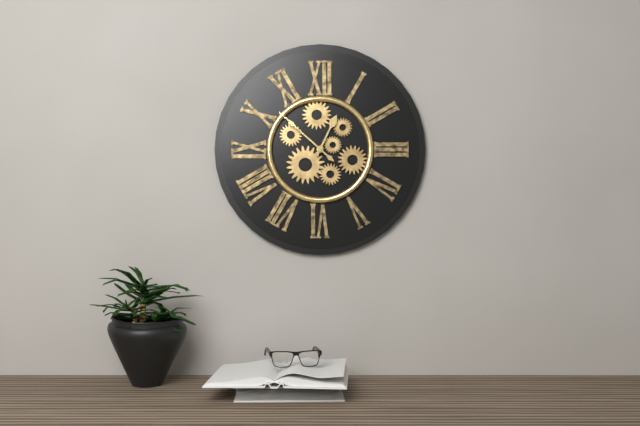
12:52
